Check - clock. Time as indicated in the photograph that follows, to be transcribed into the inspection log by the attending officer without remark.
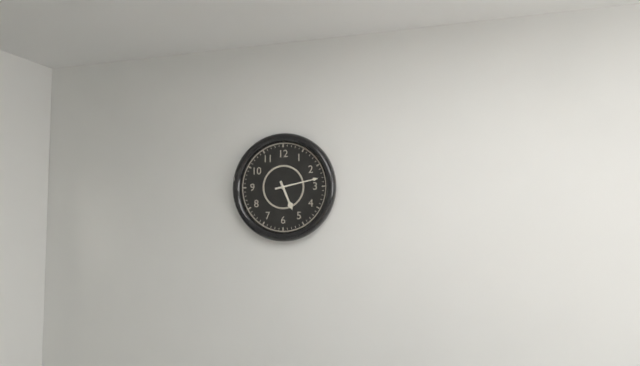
5:13
